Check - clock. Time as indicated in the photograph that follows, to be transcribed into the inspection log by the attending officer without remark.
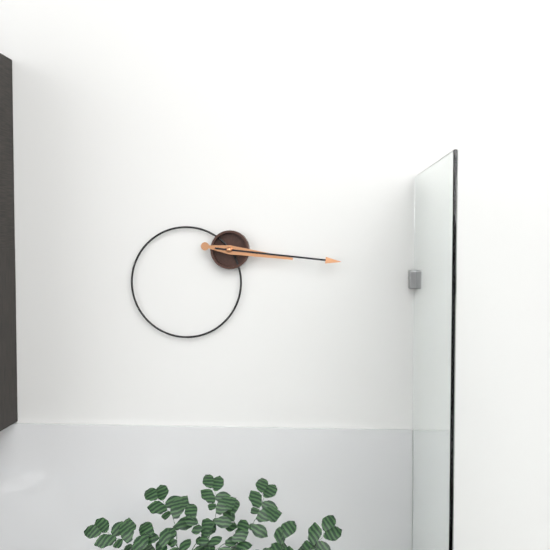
3:16
